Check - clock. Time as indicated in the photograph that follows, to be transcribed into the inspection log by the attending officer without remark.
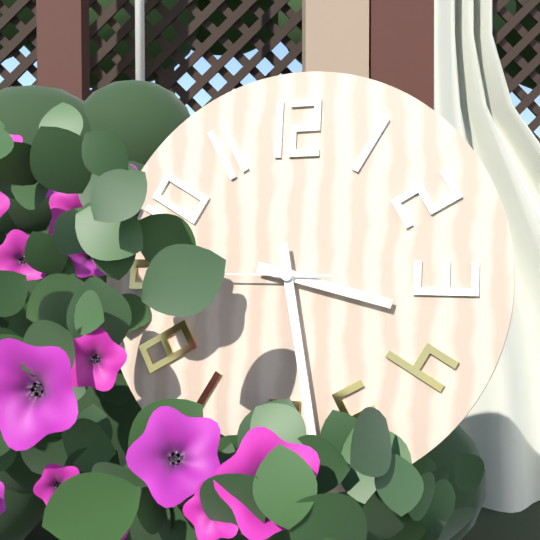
3:28
